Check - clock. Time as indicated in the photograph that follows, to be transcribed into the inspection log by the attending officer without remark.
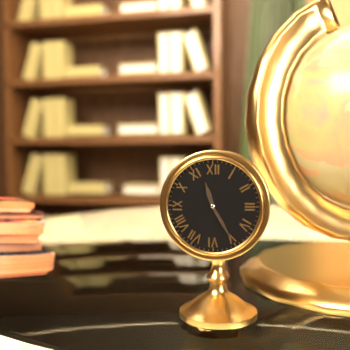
11:25
